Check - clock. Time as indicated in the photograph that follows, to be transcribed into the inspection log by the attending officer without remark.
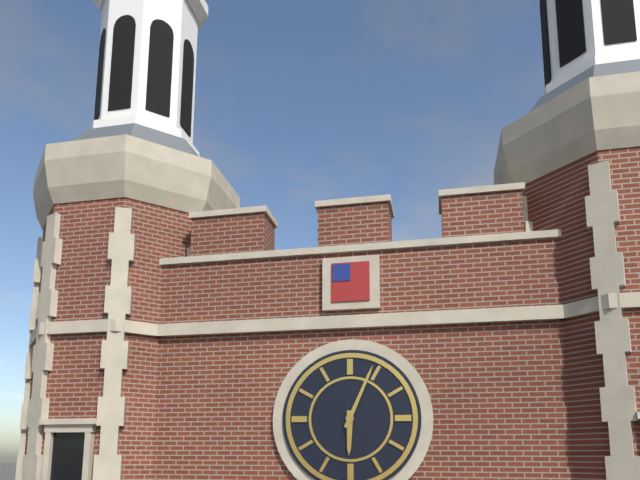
6:04
